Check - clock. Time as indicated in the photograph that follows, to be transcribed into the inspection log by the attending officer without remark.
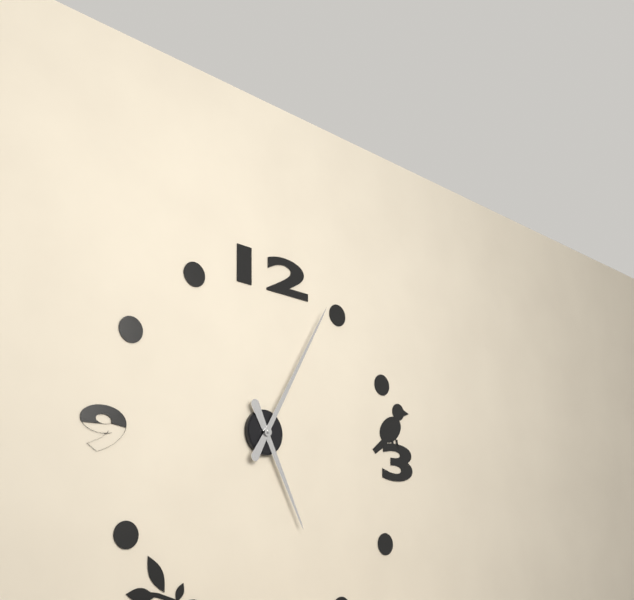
5:05
